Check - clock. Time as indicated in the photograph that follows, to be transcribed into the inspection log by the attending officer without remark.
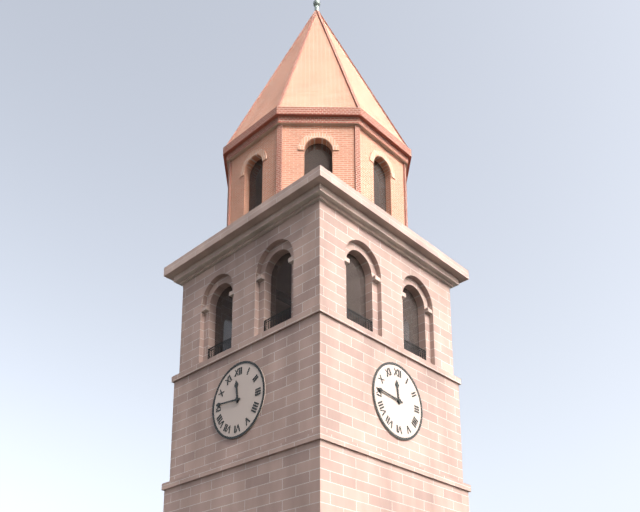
11:46
